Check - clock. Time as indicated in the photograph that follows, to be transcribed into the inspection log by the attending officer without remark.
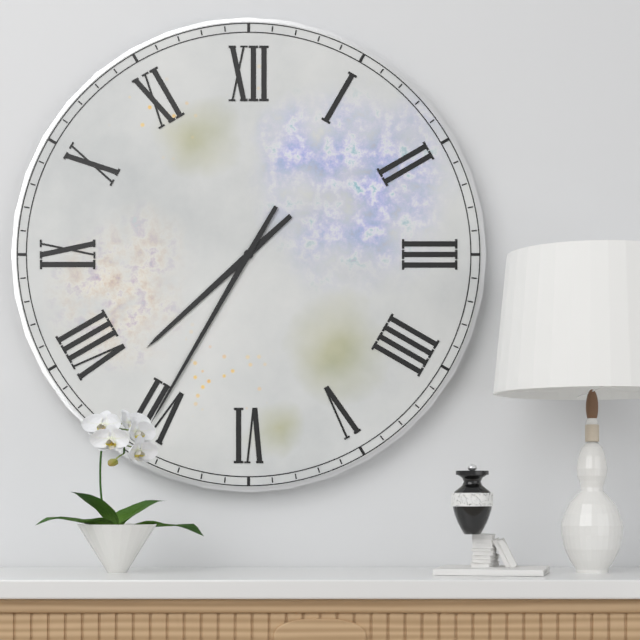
7:35
